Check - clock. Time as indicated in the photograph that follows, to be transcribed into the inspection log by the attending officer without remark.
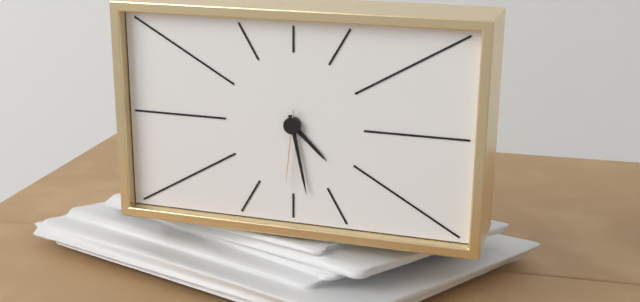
4:28:31
